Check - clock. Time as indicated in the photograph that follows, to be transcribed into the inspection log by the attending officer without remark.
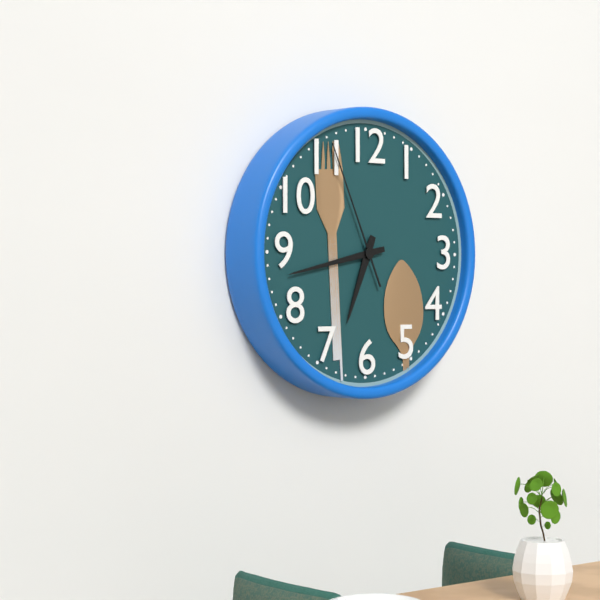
6:43:56
